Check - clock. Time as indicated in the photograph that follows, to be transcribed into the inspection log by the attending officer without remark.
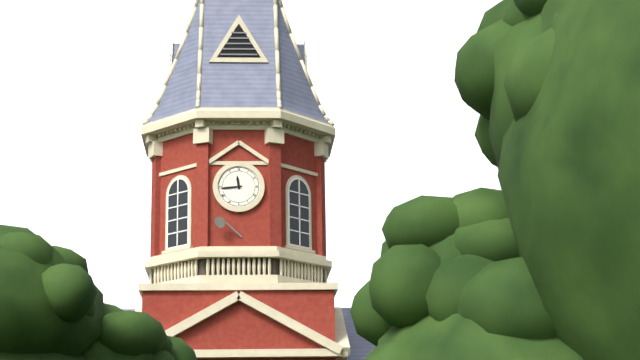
11:44
